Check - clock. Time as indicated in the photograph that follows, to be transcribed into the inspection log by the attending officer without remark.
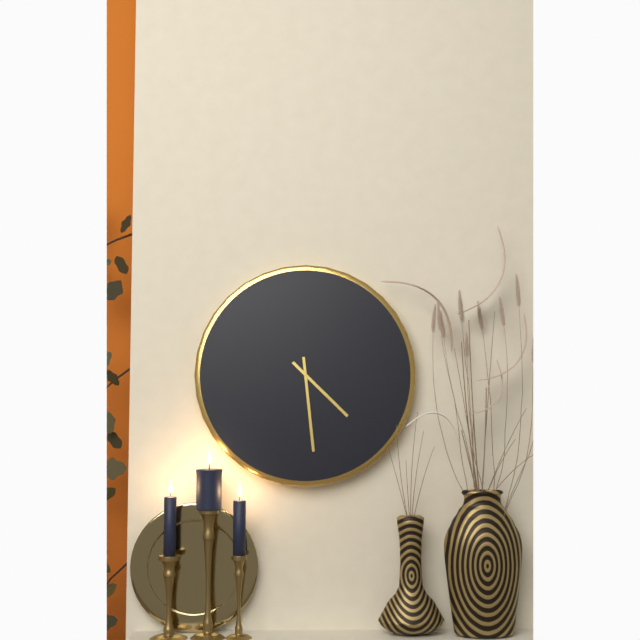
4:29
